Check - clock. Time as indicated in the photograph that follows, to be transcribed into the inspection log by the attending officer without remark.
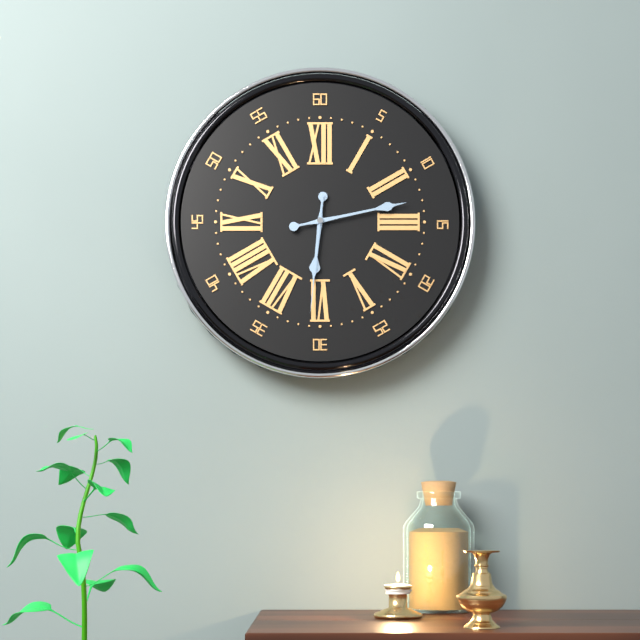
6:13:31
